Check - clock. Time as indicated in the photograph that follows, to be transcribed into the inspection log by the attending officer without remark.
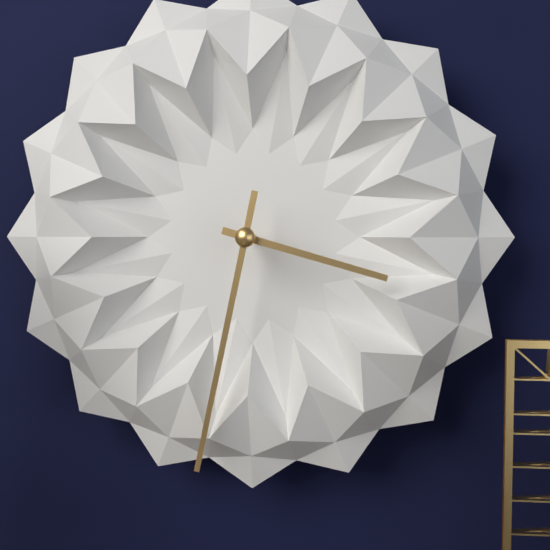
3:32
